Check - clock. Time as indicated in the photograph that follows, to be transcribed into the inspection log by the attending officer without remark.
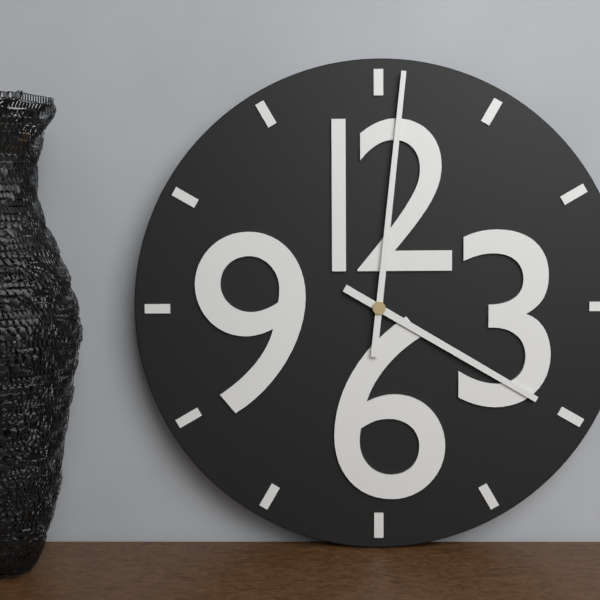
4:01
